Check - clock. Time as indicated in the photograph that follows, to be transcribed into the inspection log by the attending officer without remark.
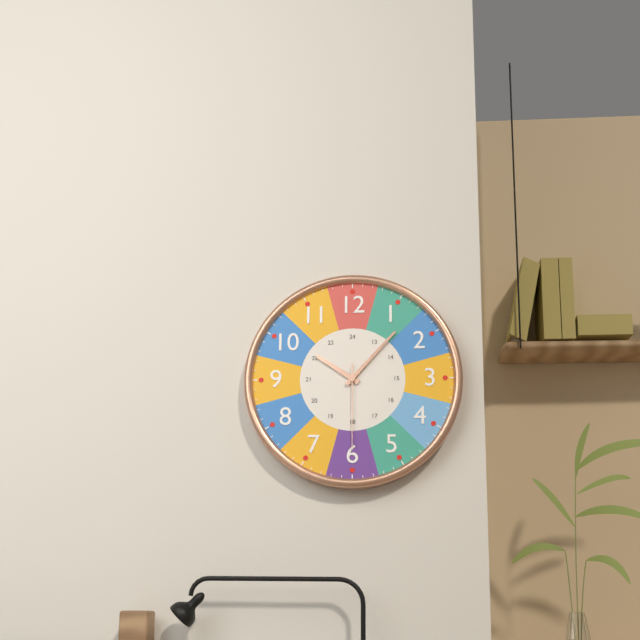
10:07:30
